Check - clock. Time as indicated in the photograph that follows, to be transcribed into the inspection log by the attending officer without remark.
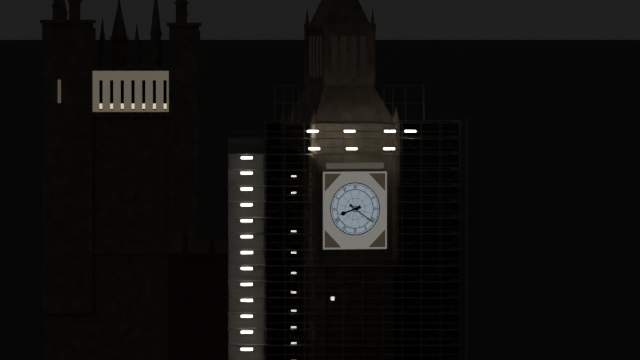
8:21
